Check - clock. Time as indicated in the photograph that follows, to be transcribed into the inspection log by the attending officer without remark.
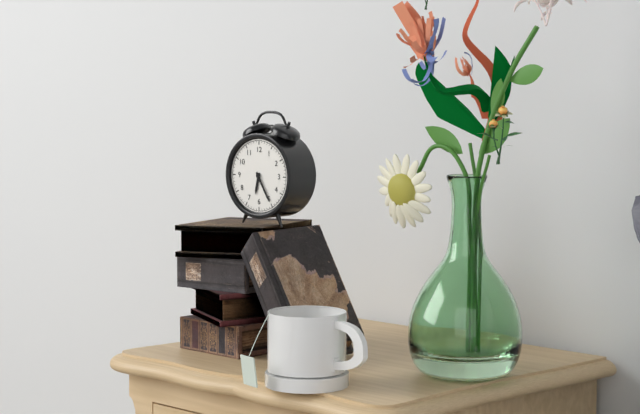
6:25
